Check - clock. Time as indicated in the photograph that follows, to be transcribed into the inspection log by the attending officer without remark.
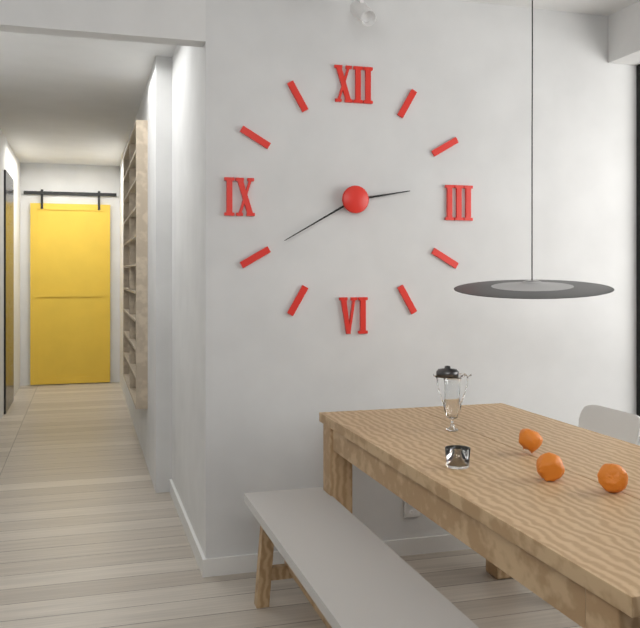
2:40
